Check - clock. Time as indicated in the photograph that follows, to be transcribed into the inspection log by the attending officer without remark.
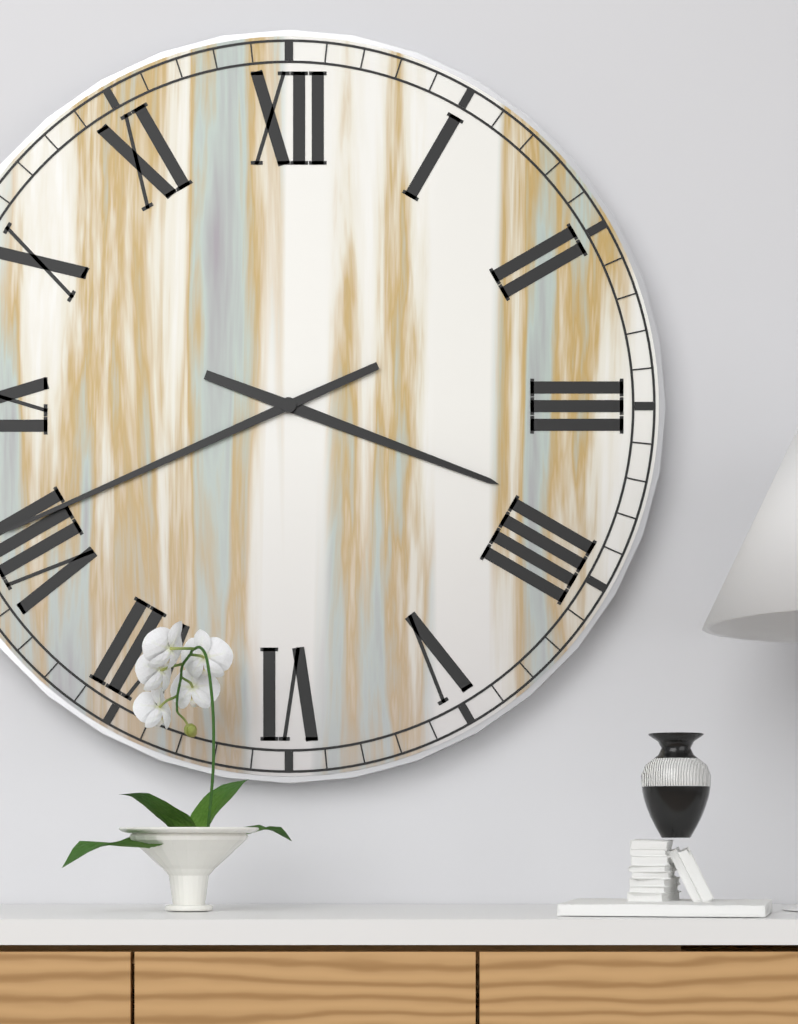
3:41
